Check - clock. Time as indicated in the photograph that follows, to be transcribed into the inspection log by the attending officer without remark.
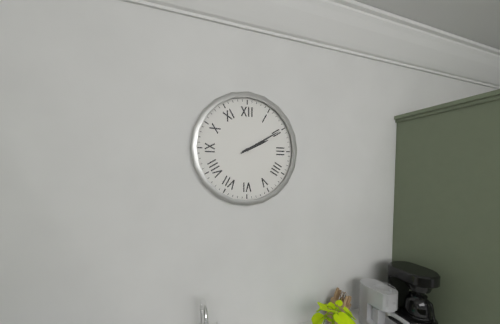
2:10
